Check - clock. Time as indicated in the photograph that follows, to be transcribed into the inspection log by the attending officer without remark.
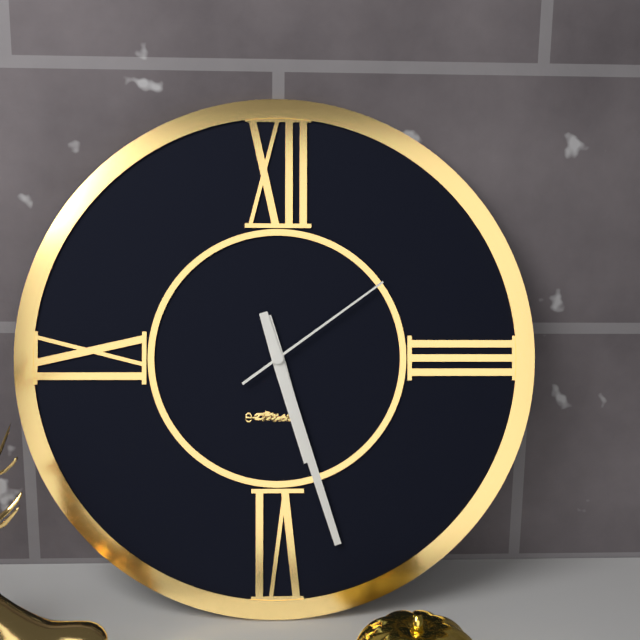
5:27:09
